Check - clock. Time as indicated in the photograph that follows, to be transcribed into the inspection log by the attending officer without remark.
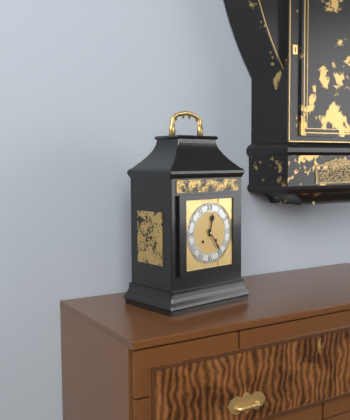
12:24
